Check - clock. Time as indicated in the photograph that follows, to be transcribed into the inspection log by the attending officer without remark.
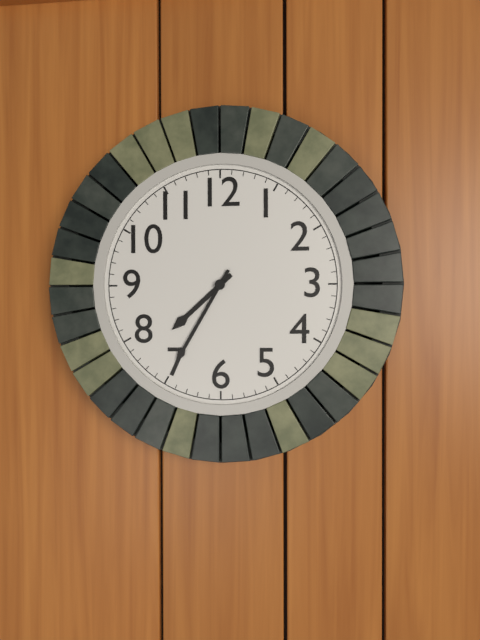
7:35
